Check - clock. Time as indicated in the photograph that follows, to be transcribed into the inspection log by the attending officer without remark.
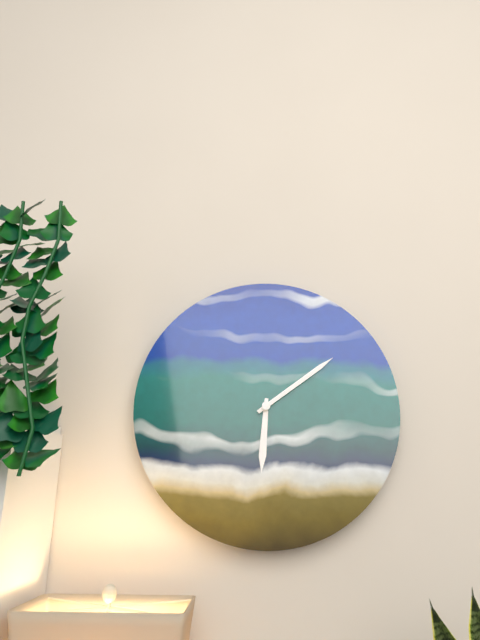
6:09
